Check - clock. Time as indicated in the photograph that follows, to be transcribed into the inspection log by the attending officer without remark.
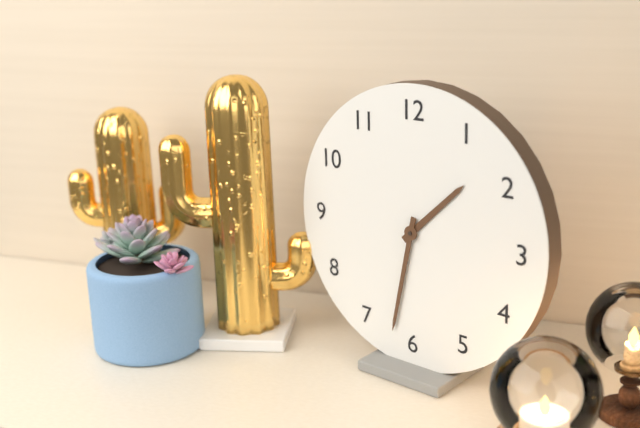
1:32
